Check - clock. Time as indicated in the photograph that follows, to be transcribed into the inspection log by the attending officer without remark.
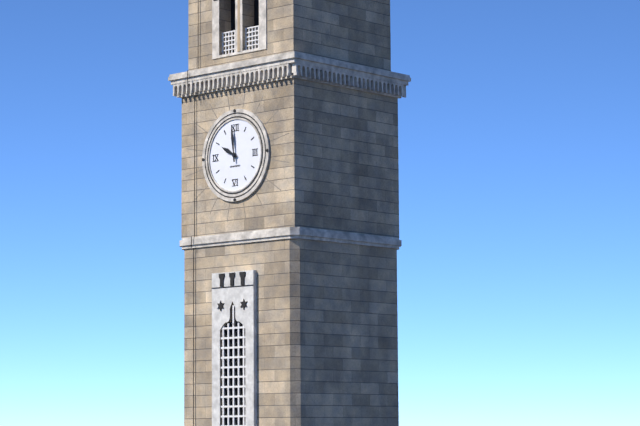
9:59
